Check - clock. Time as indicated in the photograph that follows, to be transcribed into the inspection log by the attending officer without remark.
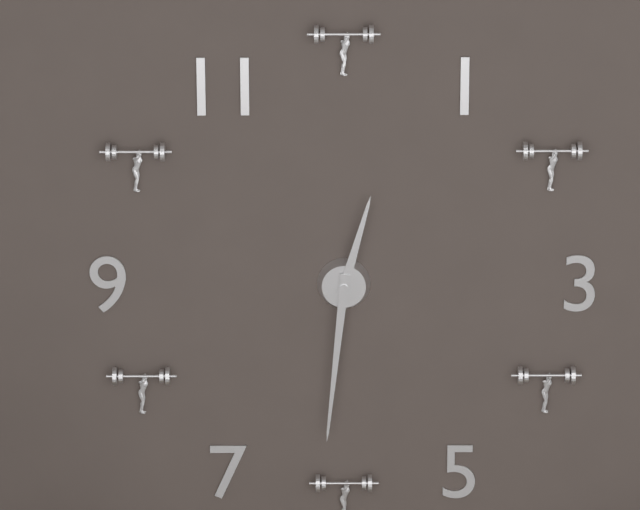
12:31
